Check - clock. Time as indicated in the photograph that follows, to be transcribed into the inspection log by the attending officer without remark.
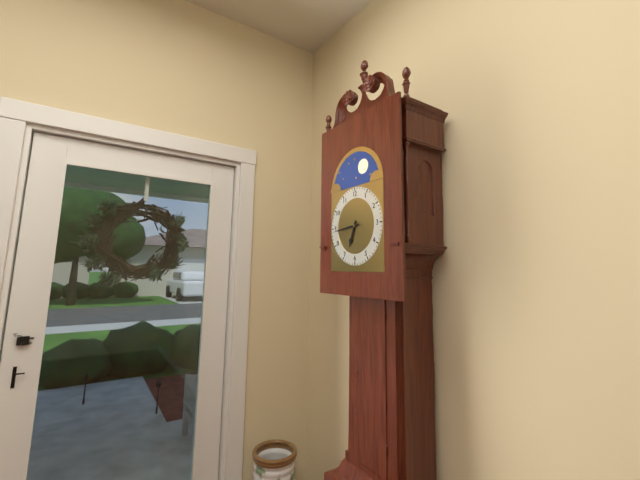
6:44
